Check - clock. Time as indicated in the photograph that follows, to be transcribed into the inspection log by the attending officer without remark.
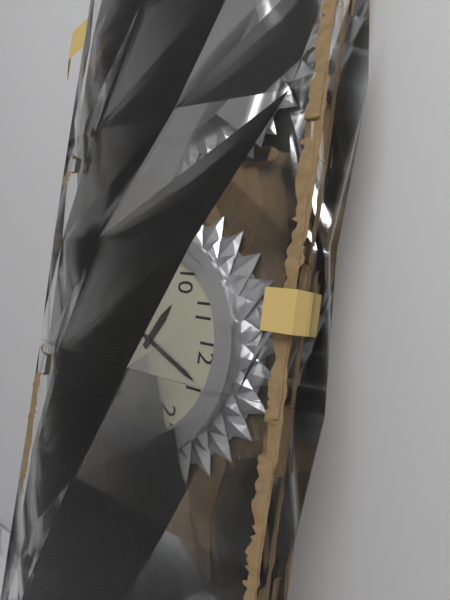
10:04
